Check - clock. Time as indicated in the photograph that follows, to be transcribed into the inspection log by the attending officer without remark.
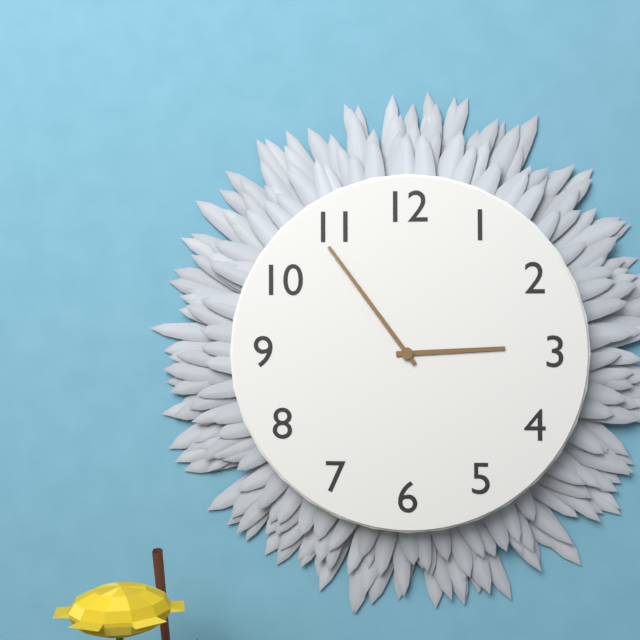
2:54
